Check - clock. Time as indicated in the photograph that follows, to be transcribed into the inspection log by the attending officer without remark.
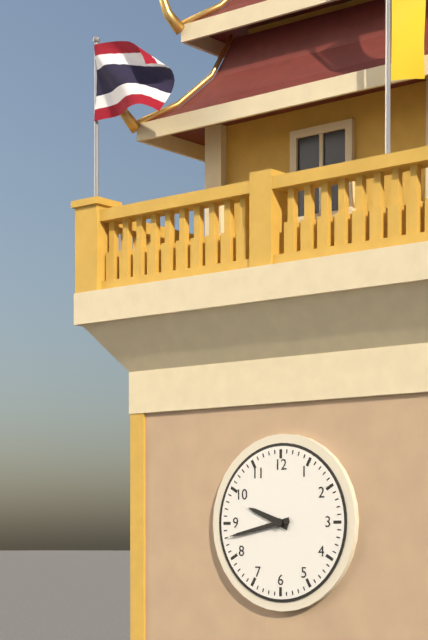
9:43
